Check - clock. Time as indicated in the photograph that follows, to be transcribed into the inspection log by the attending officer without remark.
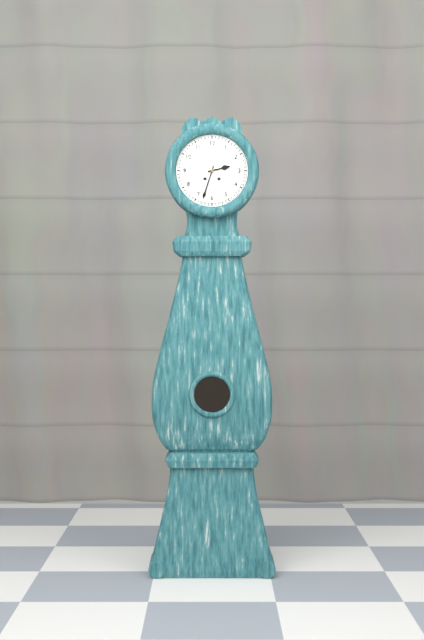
2:33
